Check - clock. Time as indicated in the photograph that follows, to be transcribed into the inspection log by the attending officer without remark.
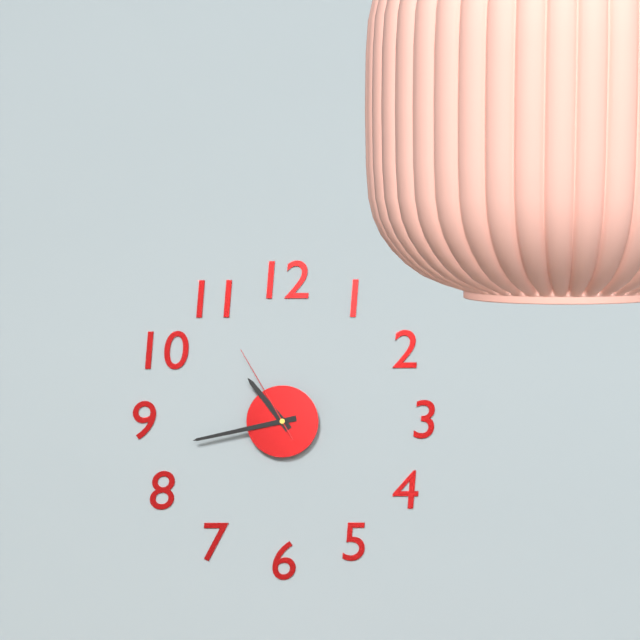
10:43:55
